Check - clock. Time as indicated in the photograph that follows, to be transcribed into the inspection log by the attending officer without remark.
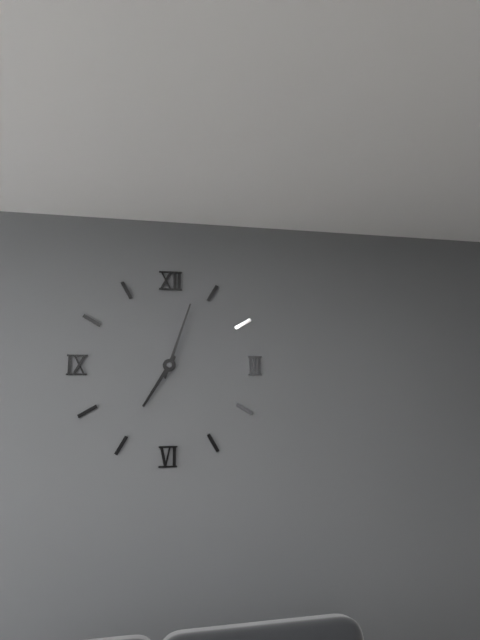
7:03
